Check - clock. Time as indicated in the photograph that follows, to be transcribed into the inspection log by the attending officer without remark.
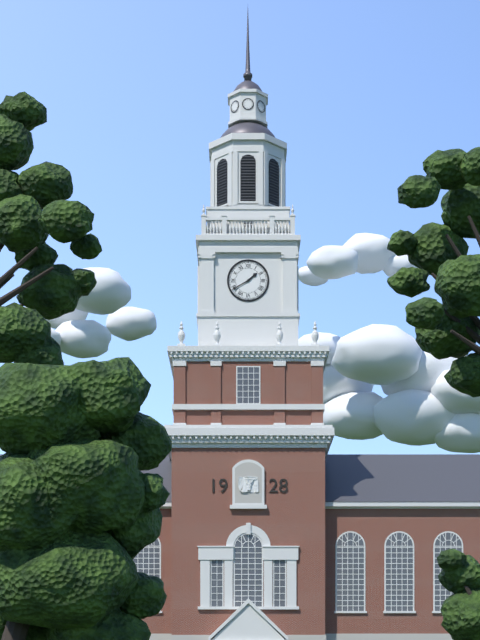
1:40
